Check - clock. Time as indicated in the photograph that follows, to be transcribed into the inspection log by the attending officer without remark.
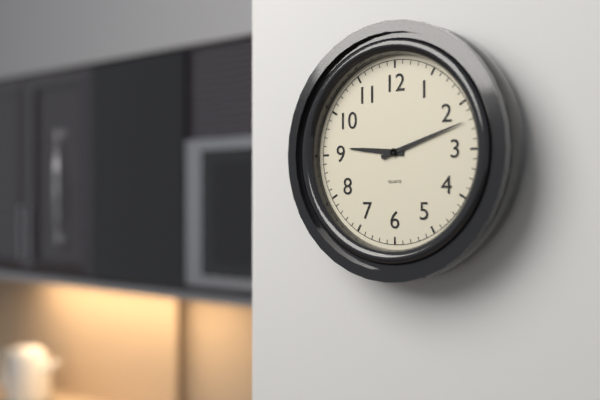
9:12
